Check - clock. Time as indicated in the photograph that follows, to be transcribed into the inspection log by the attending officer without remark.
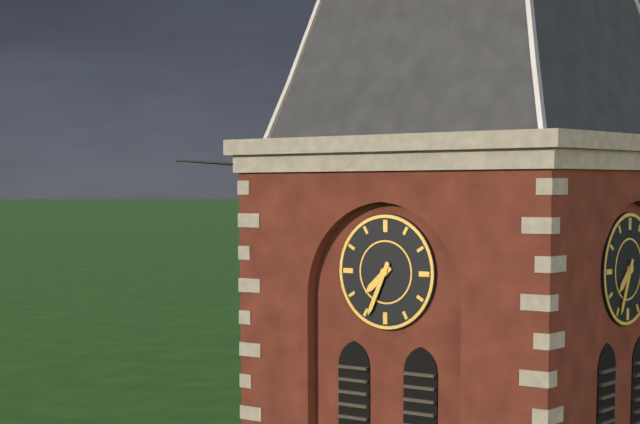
7:34
